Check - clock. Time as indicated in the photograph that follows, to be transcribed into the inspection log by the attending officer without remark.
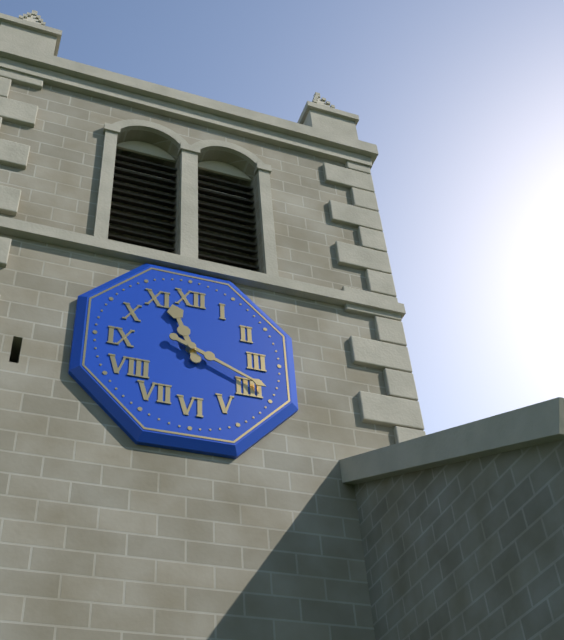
11:19
